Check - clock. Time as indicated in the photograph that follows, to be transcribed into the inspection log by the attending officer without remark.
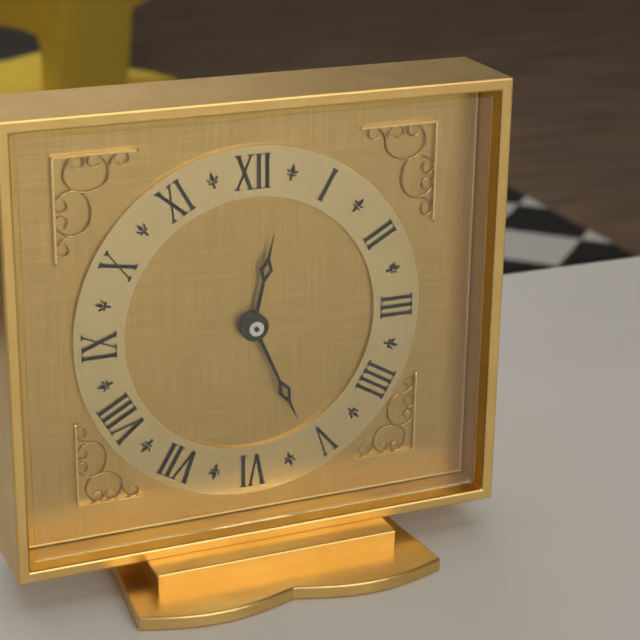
12:26
